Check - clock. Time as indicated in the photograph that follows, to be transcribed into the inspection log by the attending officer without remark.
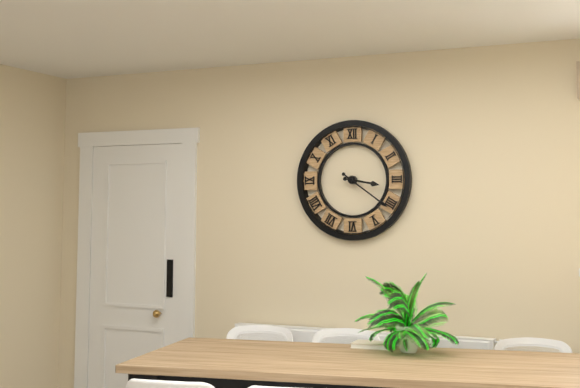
3:21
